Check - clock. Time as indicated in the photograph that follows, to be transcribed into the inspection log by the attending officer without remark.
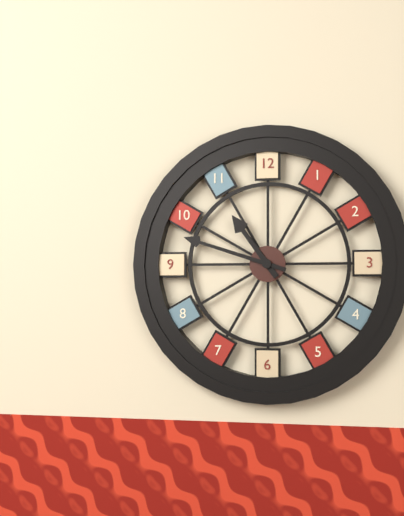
10:48
